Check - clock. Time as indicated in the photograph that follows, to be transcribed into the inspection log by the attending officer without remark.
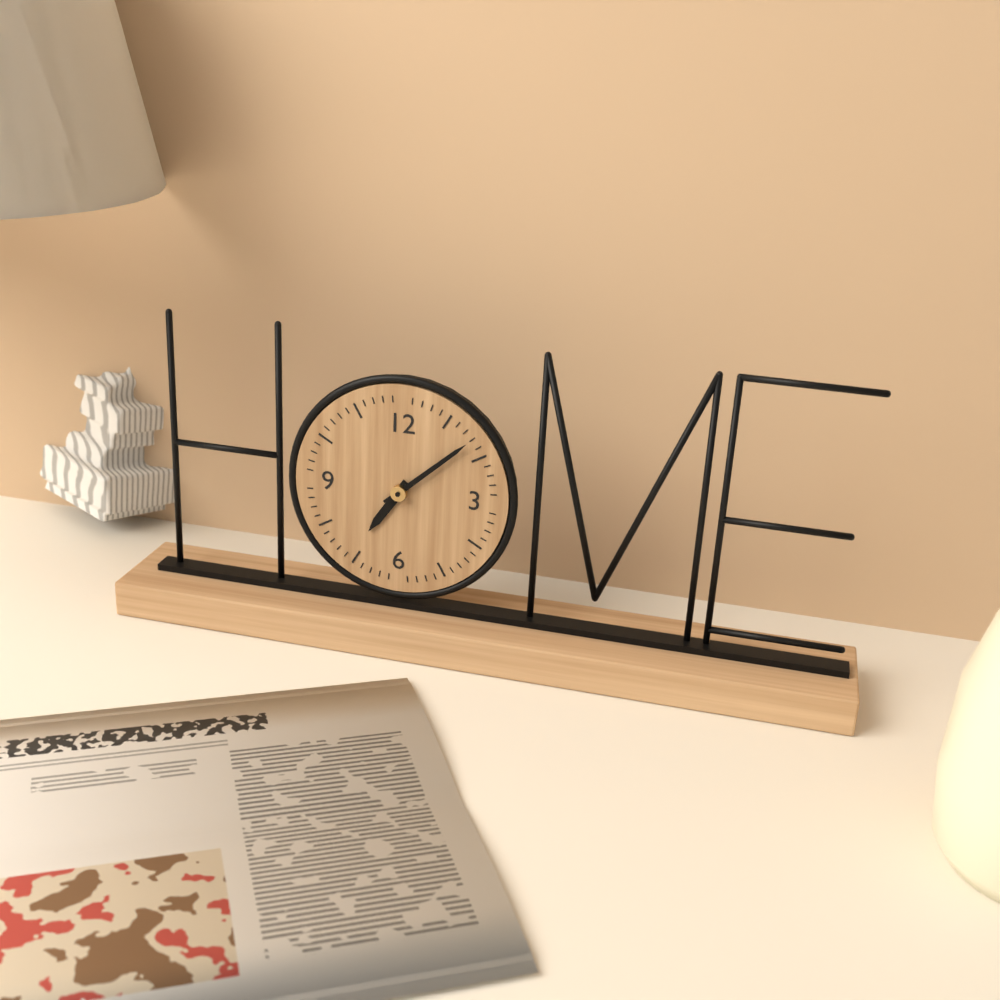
7:08
